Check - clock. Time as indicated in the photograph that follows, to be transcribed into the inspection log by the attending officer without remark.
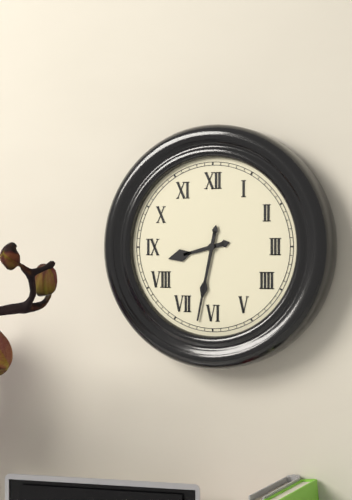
8:32
